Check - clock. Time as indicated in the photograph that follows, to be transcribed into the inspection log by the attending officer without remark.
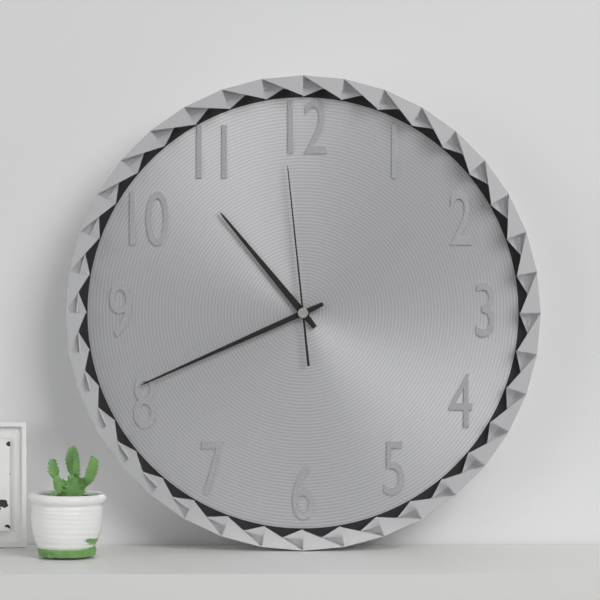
10:41:59
